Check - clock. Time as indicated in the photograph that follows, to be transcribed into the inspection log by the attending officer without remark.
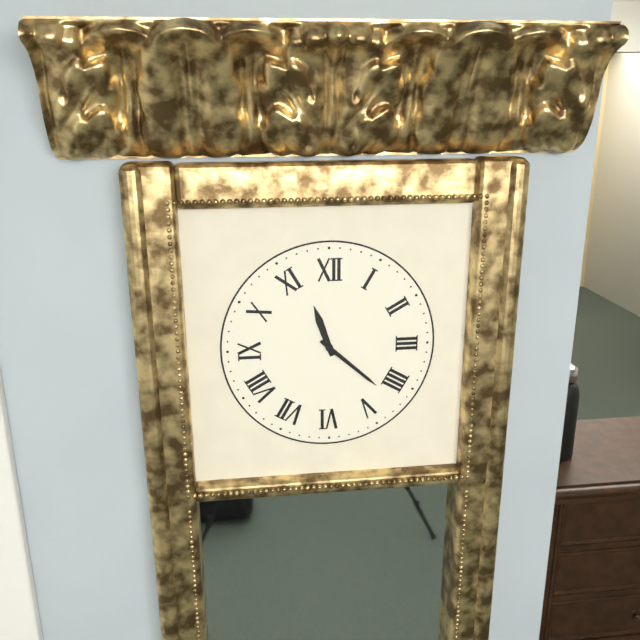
11:22
